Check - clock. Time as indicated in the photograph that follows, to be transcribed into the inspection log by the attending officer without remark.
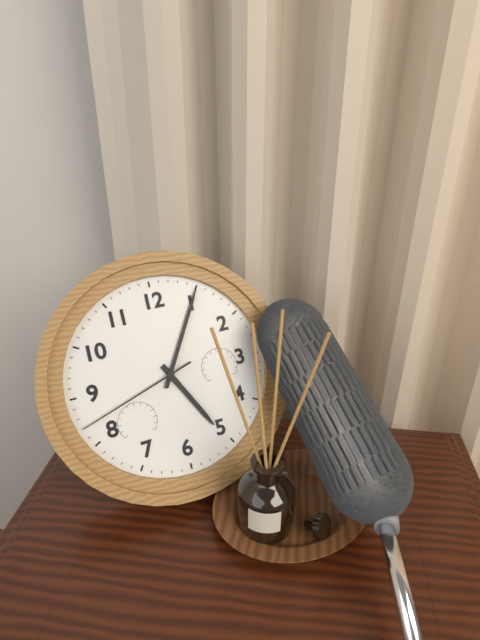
5:05:42
